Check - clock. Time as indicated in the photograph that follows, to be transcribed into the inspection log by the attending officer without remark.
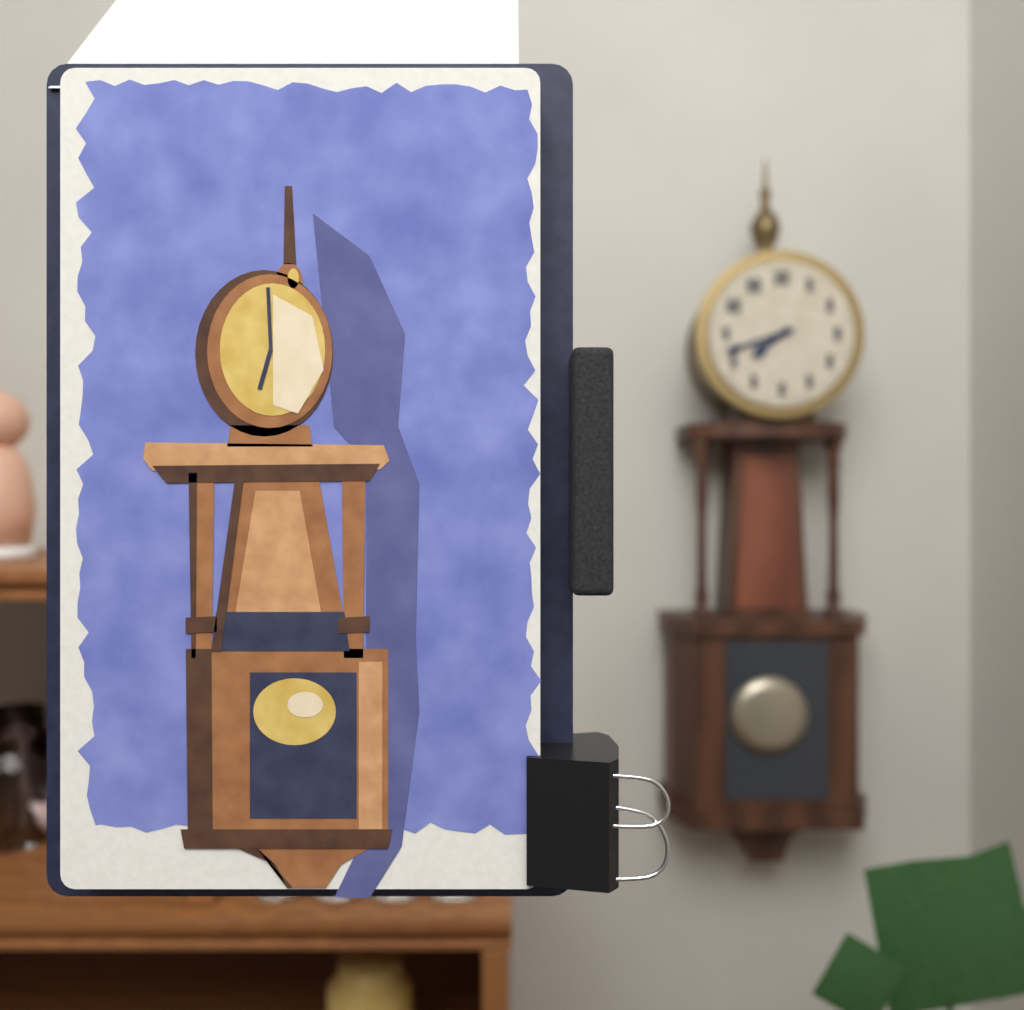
7:42
